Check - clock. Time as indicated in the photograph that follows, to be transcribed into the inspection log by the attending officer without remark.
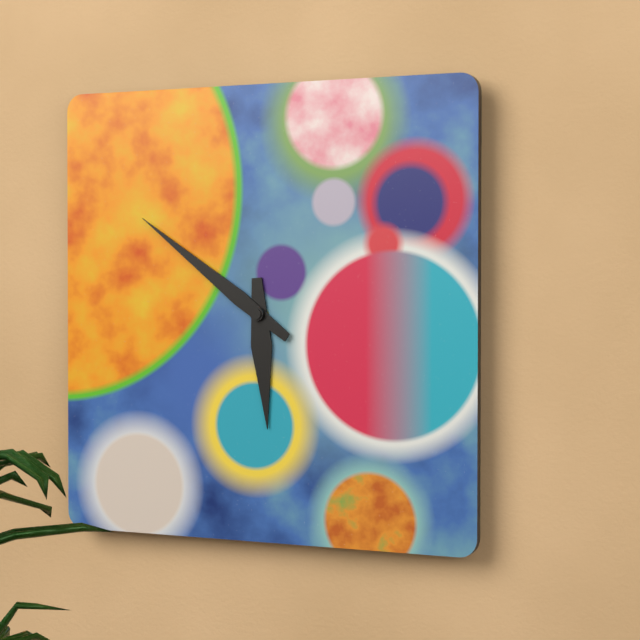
5:51
